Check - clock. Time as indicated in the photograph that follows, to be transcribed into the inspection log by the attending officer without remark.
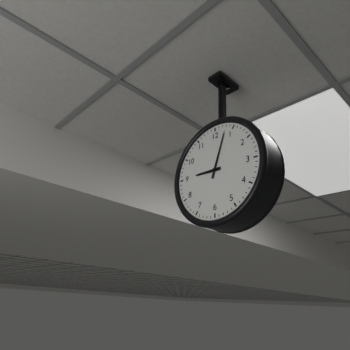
9:03
